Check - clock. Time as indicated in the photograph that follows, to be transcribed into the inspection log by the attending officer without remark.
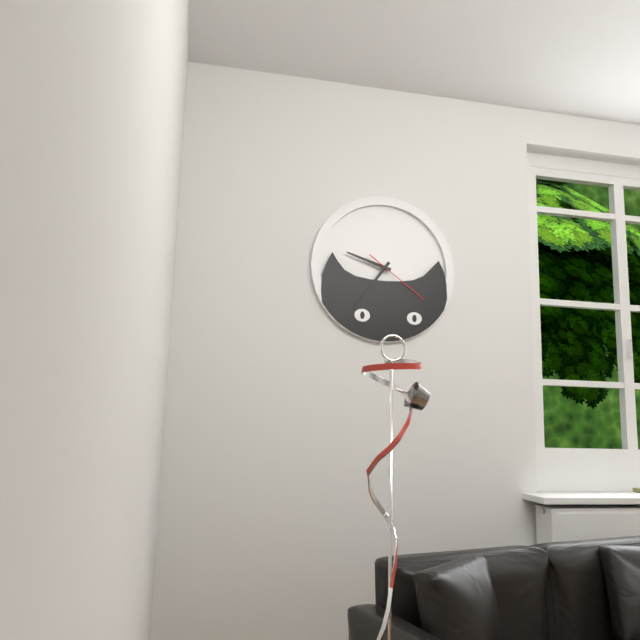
9:36:21
